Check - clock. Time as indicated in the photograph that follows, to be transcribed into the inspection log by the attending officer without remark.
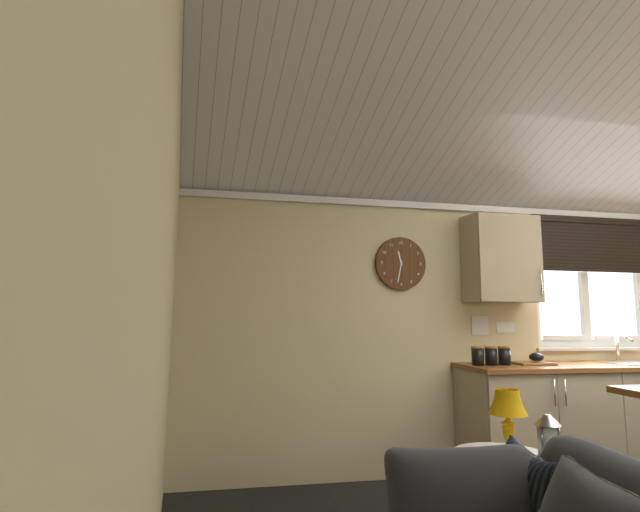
11:32
